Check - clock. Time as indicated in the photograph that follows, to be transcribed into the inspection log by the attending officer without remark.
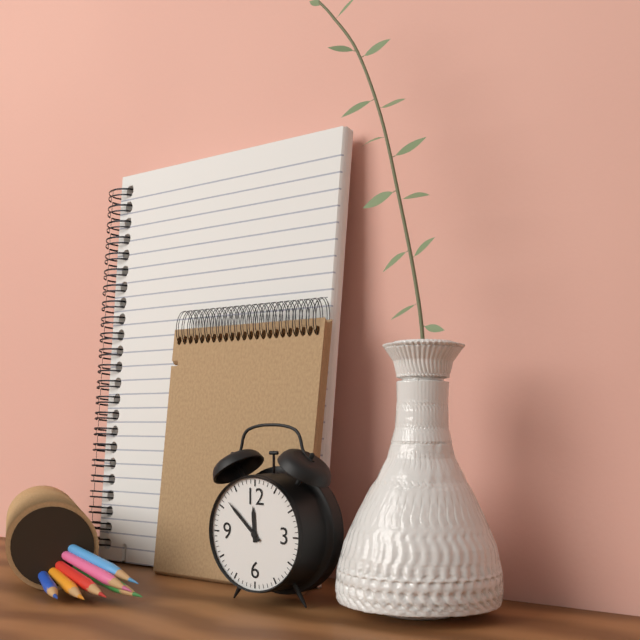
11:52
